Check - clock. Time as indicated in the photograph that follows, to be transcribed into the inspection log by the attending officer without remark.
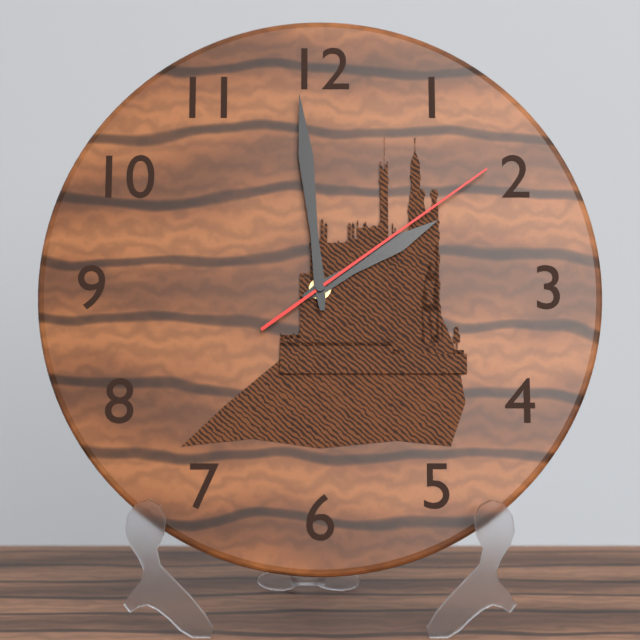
1:59:09
